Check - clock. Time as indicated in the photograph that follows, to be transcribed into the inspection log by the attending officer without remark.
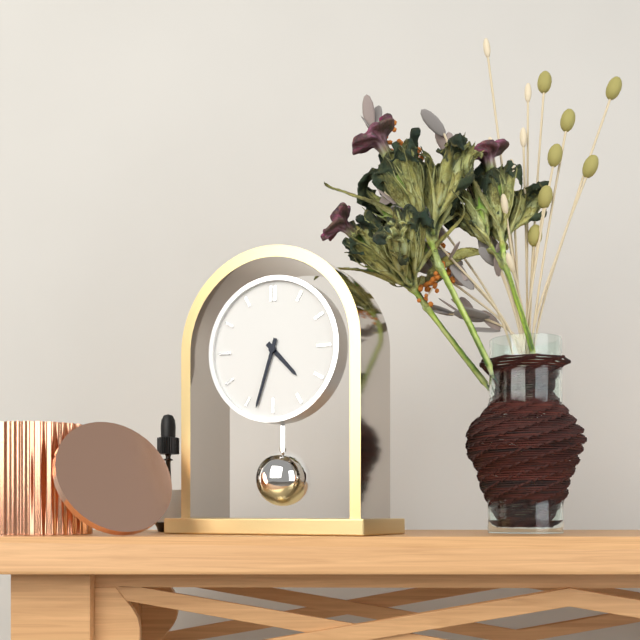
4:33
